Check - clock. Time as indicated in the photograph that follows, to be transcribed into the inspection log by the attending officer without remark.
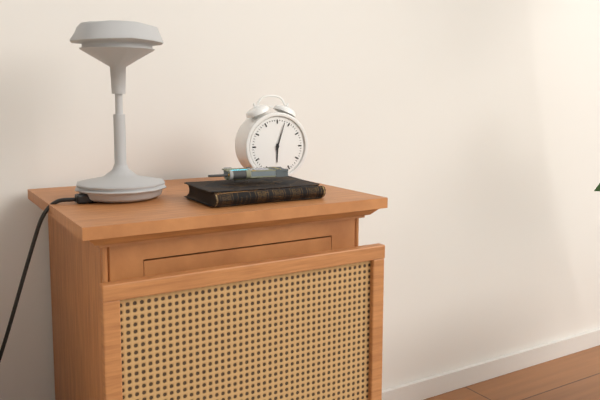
6:03
